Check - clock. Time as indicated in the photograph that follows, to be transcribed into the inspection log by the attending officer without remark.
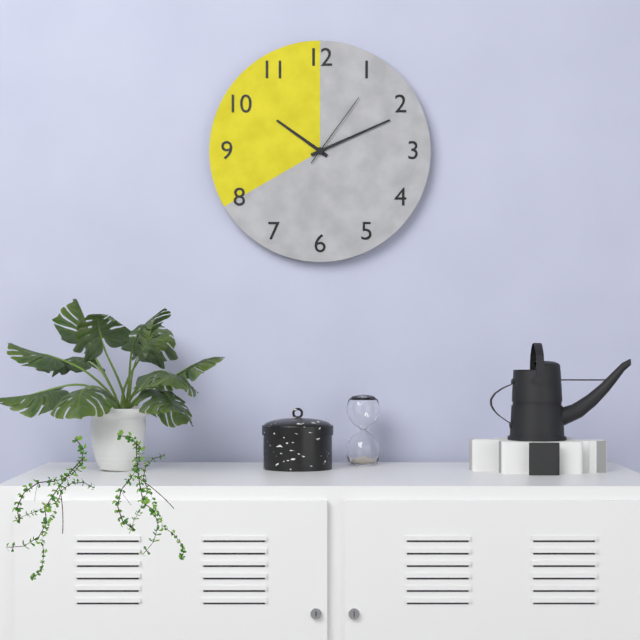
10:11:06
